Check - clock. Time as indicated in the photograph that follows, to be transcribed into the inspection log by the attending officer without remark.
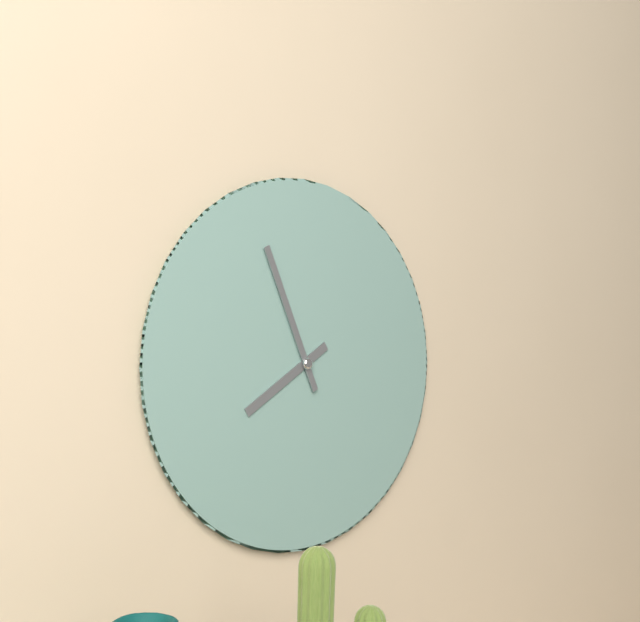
7:56
